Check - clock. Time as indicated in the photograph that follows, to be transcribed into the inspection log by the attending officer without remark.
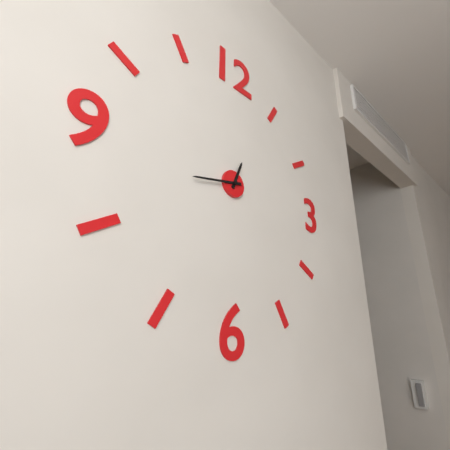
12:43
